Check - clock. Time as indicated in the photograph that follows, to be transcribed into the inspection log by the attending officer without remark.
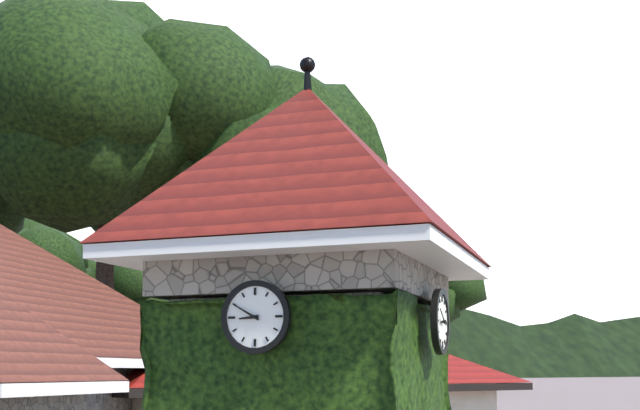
8:50
